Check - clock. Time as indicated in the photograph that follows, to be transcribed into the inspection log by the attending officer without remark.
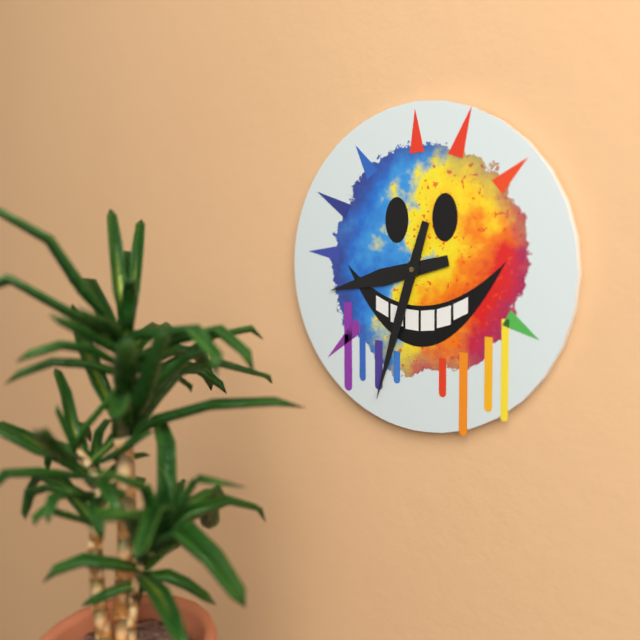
8:33
